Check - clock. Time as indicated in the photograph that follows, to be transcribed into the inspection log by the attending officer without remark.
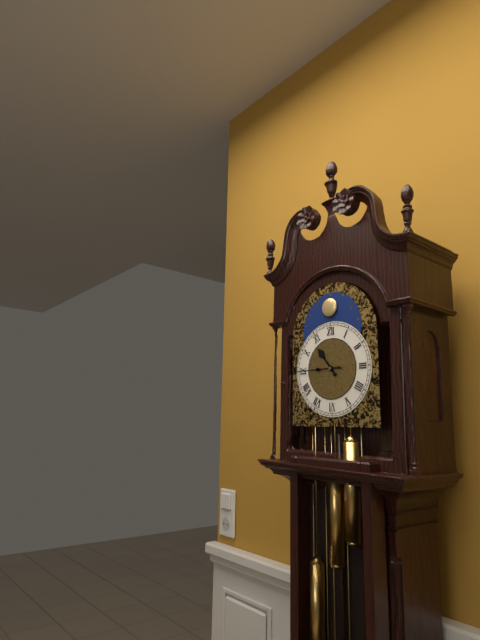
10:45
